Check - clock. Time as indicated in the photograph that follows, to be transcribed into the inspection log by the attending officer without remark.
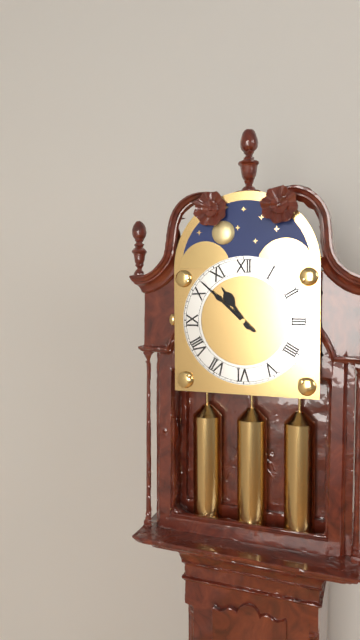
10:52
